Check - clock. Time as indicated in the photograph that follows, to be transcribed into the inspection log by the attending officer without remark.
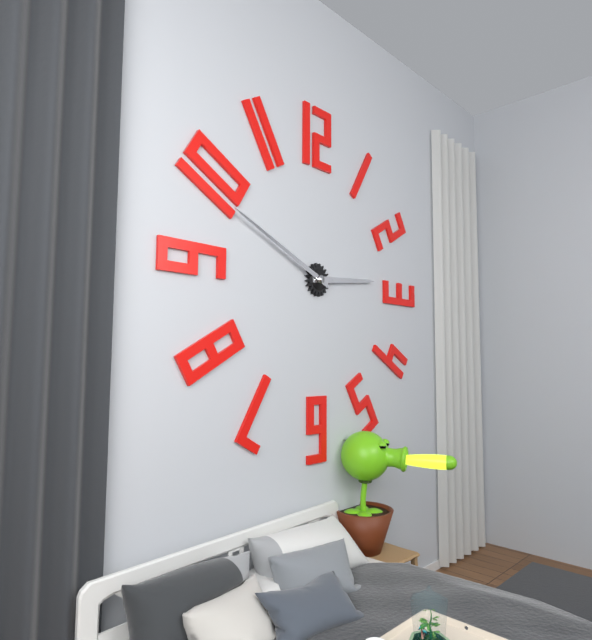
2:49
